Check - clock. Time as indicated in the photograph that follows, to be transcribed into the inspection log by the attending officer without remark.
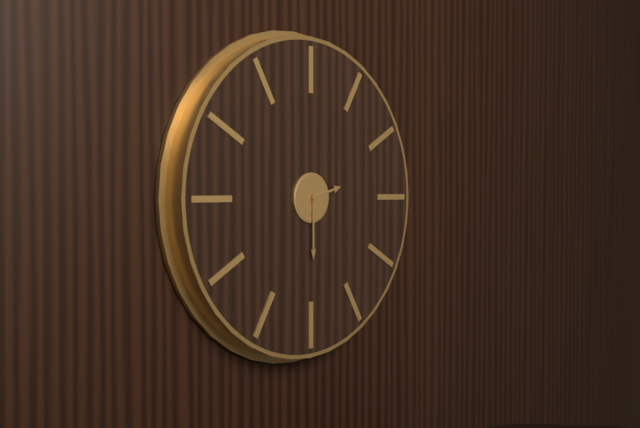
2:30
